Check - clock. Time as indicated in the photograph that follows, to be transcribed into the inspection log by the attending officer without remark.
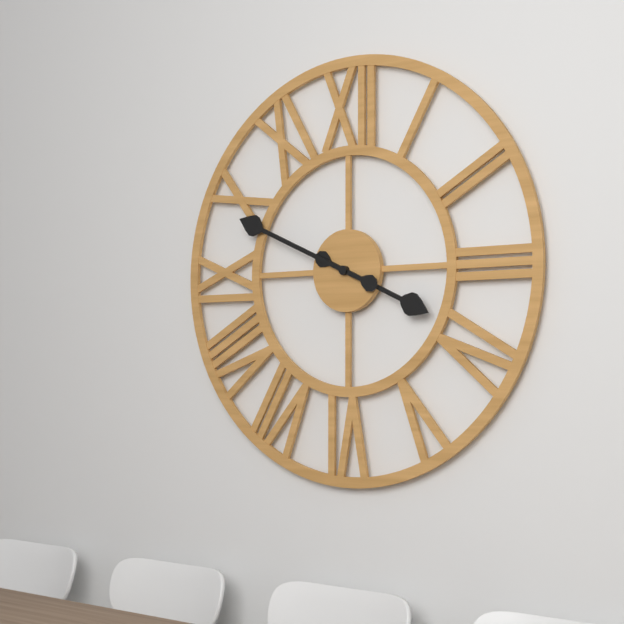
3:49
